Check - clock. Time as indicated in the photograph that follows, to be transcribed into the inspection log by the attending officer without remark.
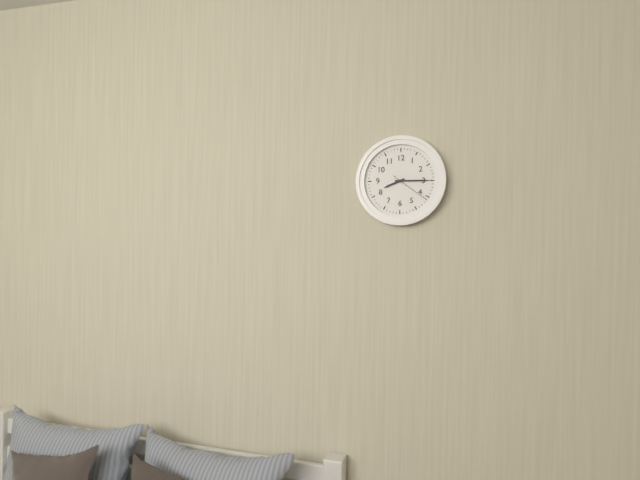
8:15
